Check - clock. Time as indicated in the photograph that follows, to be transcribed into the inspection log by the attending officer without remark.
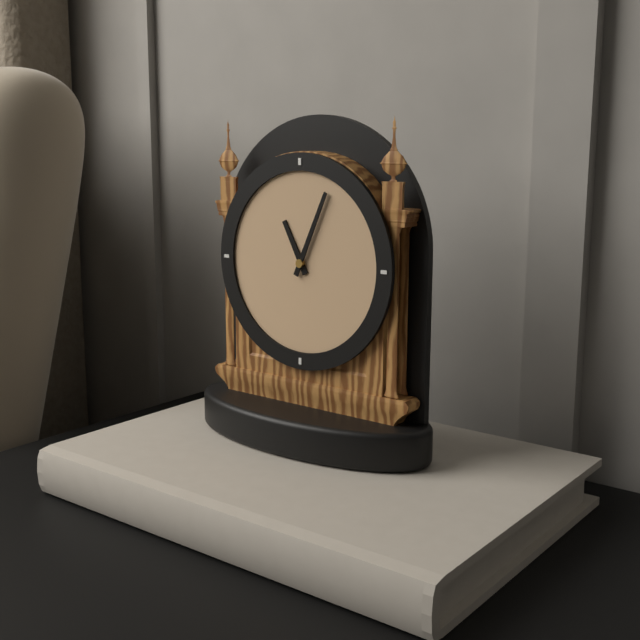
11:04
